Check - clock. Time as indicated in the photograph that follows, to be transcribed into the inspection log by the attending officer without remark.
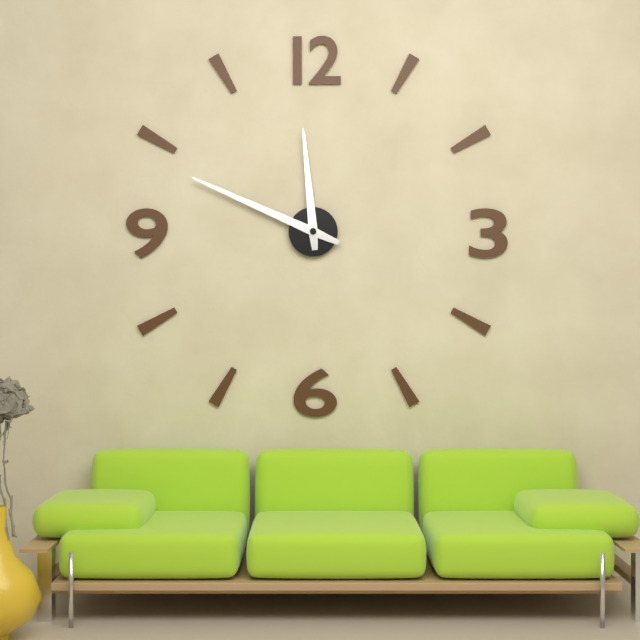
11:49
